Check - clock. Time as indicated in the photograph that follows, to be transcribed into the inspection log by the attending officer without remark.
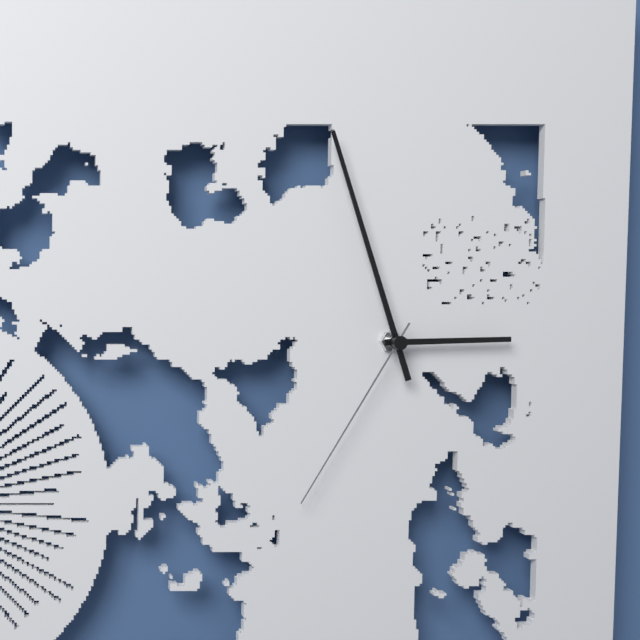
2:57:35
